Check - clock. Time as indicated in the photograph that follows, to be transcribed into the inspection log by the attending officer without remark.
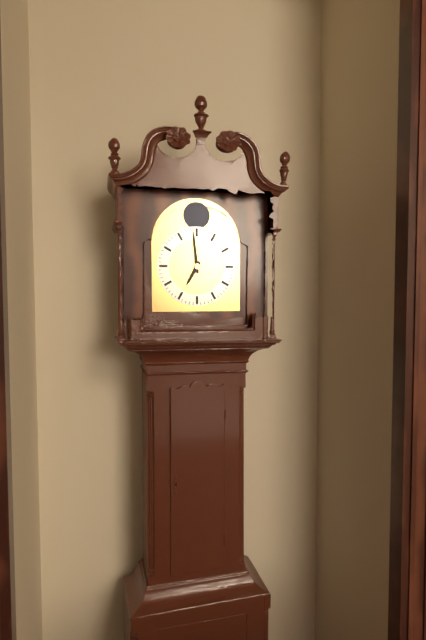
6:59
